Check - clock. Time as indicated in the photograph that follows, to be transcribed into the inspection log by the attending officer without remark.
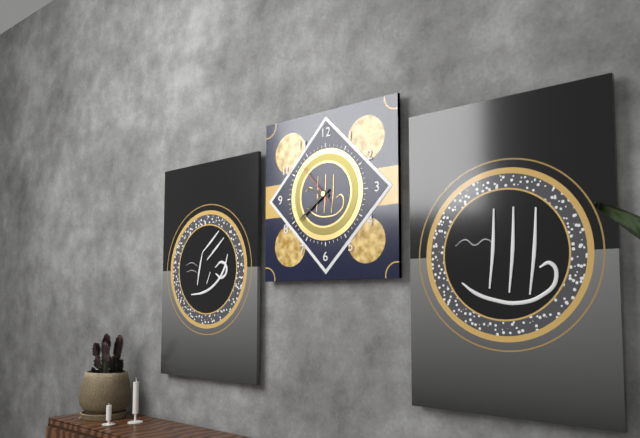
9:39
